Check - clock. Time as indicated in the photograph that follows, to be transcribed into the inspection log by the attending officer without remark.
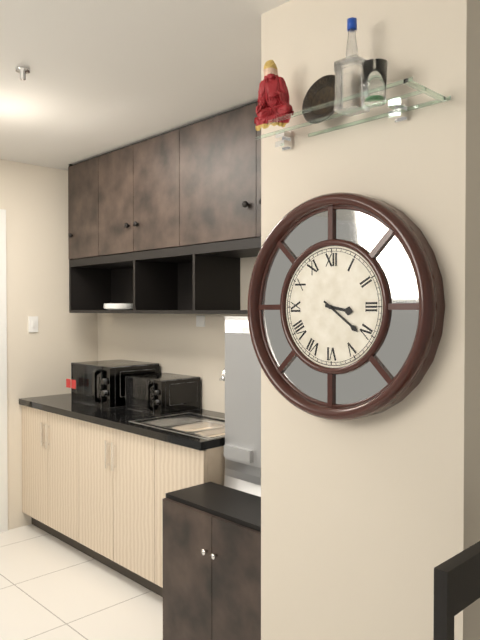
3:21
